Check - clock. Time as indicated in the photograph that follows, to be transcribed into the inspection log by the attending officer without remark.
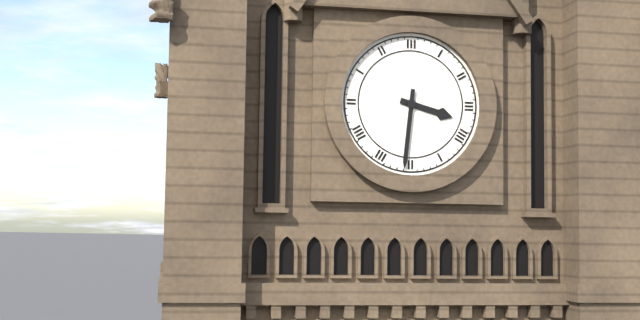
3:31
